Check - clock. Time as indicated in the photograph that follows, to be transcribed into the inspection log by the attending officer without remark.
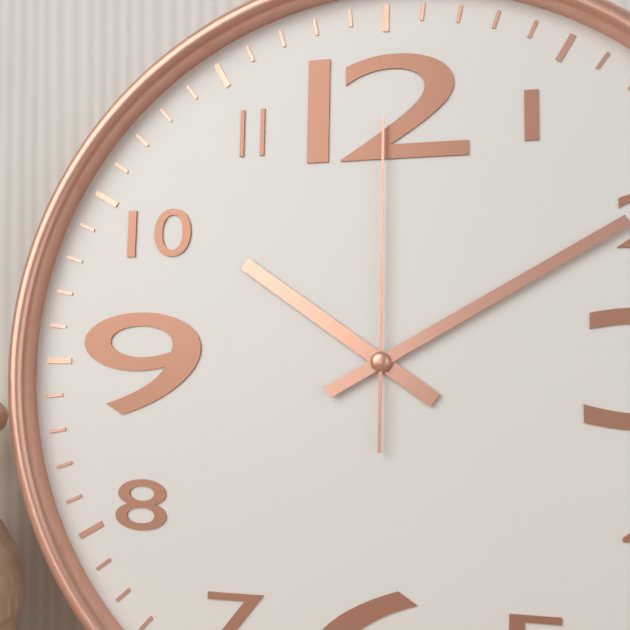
10:10:00
